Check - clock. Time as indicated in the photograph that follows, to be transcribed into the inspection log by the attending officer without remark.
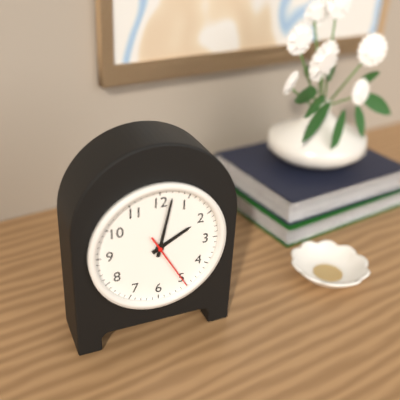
2:02:25
